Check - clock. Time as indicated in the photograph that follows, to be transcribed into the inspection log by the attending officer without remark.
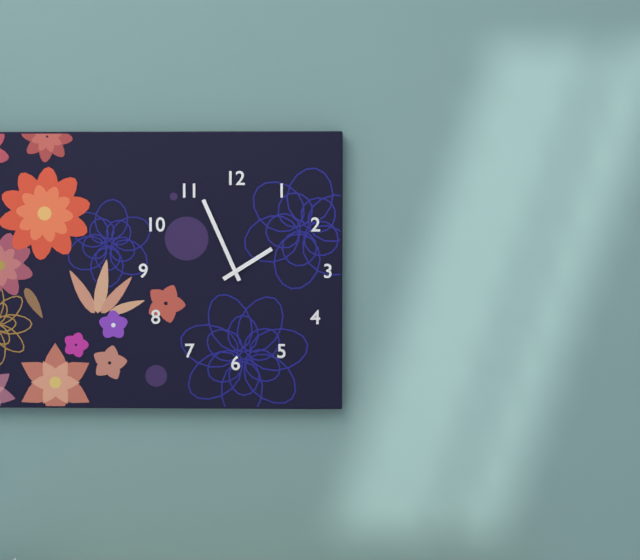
1:56
